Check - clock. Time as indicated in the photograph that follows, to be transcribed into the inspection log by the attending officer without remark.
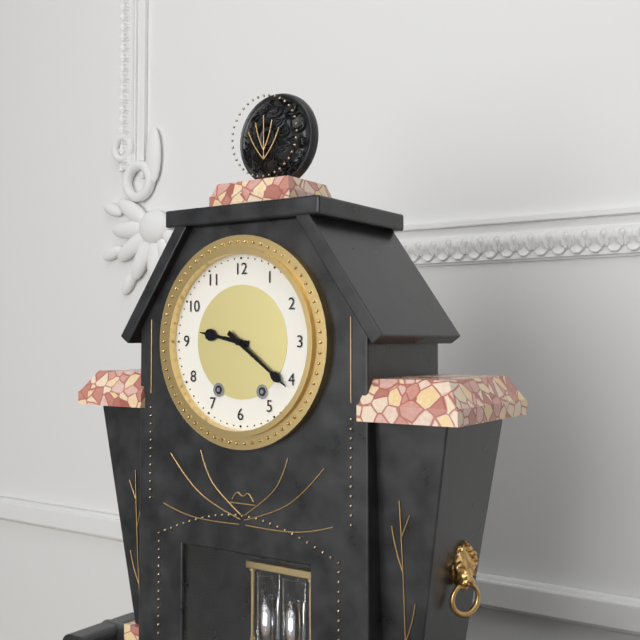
9:21
